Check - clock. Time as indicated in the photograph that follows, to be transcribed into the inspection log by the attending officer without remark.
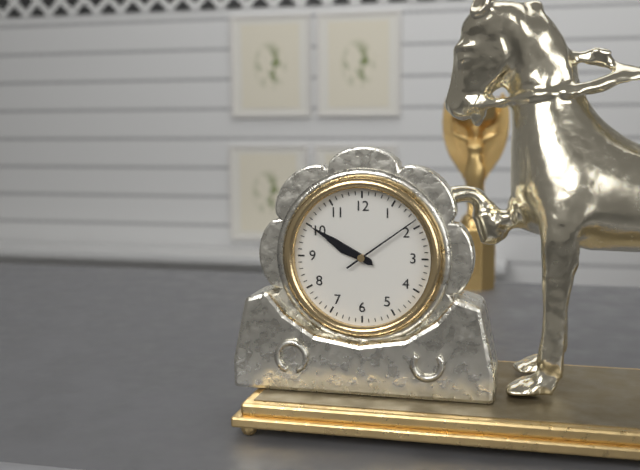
9:50:09
